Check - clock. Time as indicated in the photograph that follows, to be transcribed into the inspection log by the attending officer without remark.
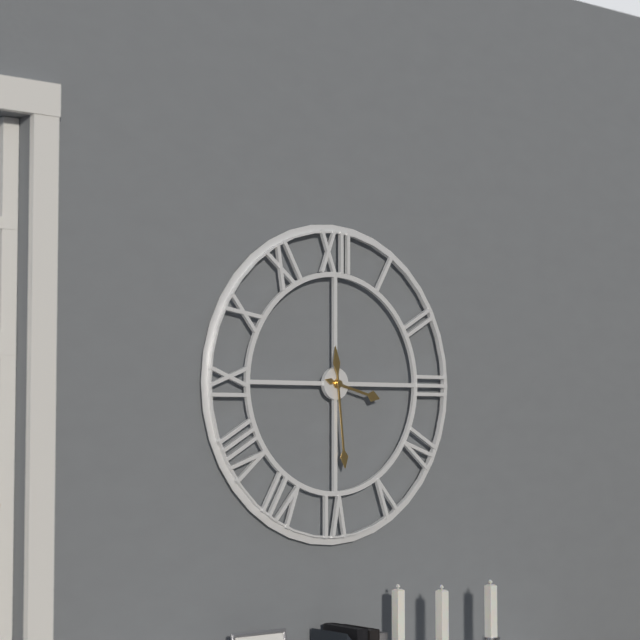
3:29
